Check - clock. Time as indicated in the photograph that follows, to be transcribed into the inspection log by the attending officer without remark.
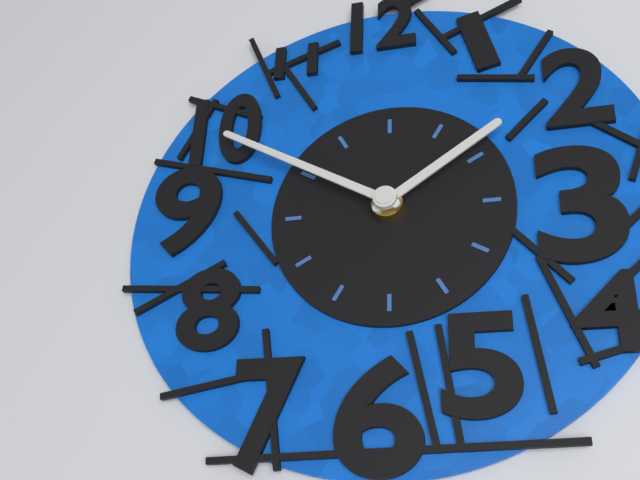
1:50
